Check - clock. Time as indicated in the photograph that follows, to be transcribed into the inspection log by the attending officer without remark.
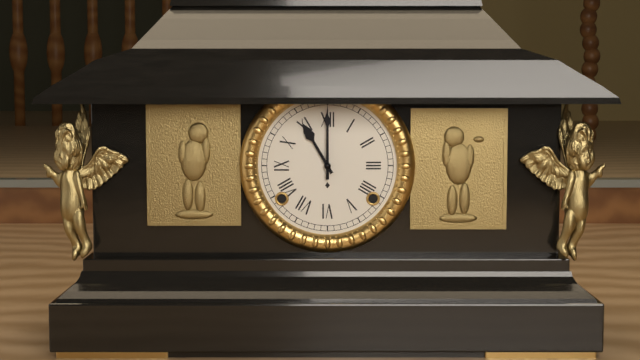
11:00
